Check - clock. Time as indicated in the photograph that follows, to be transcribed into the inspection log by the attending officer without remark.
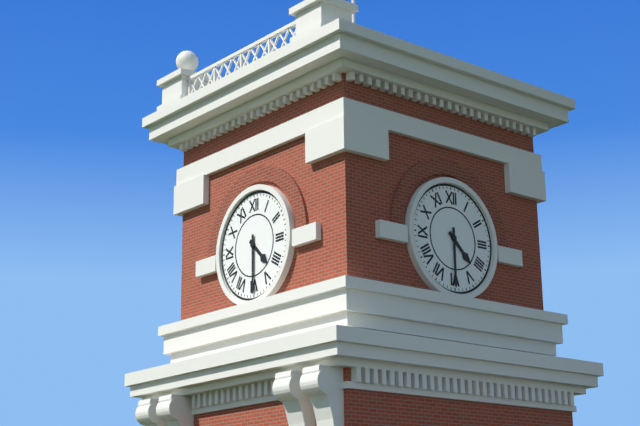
4:30
